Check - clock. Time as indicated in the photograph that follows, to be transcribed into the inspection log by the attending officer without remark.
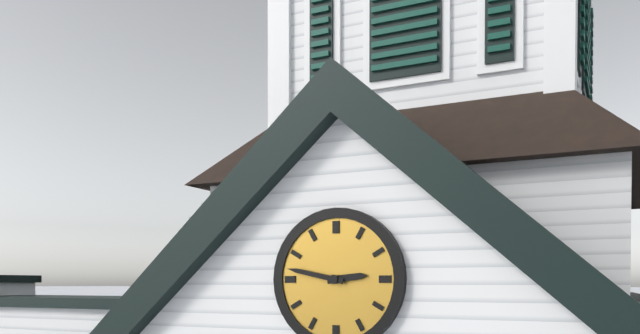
2:47
